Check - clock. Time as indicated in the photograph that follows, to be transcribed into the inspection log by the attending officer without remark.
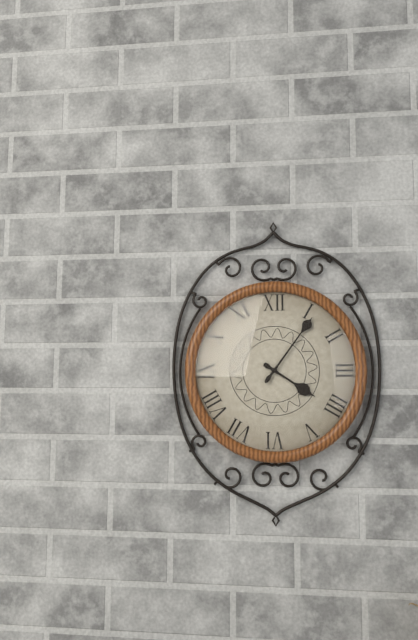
4:06
